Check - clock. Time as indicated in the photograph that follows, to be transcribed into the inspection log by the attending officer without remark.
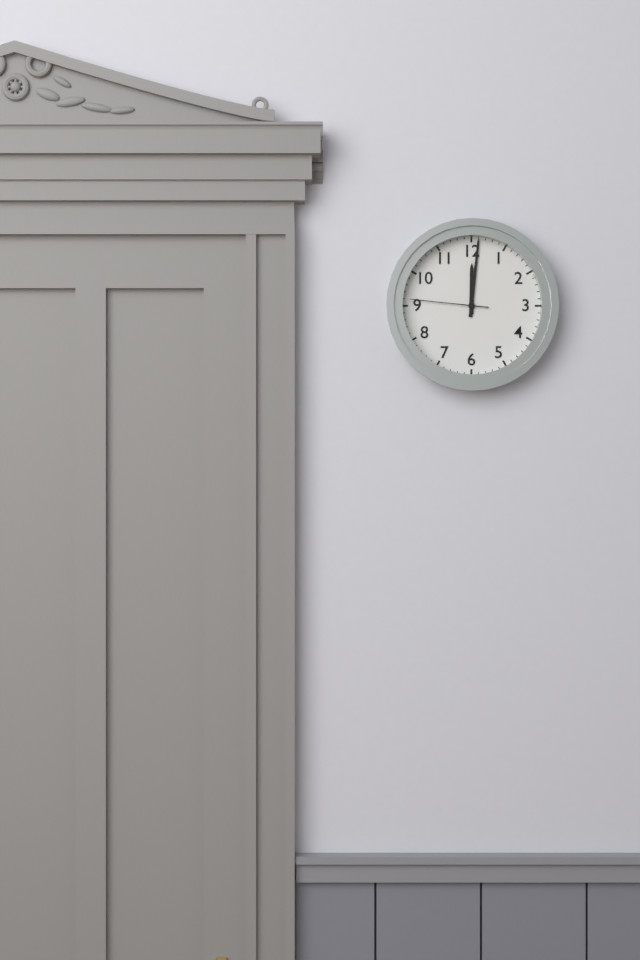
12:01:46
